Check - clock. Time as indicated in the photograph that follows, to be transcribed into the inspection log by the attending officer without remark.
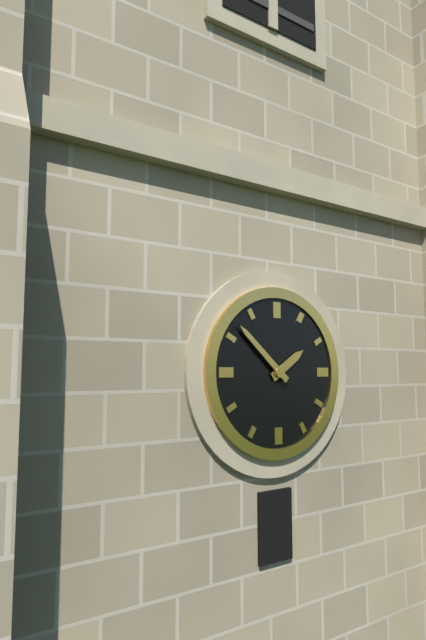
1:52
